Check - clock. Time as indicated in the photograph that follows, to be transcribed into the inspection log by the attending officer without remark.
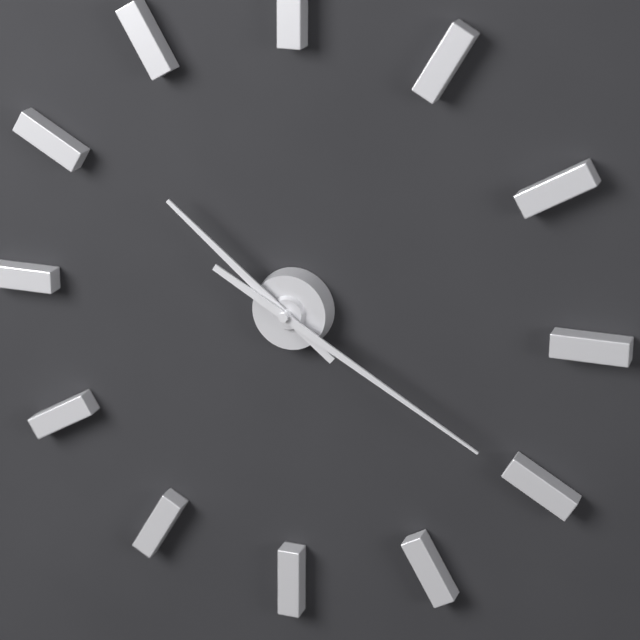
10:20
